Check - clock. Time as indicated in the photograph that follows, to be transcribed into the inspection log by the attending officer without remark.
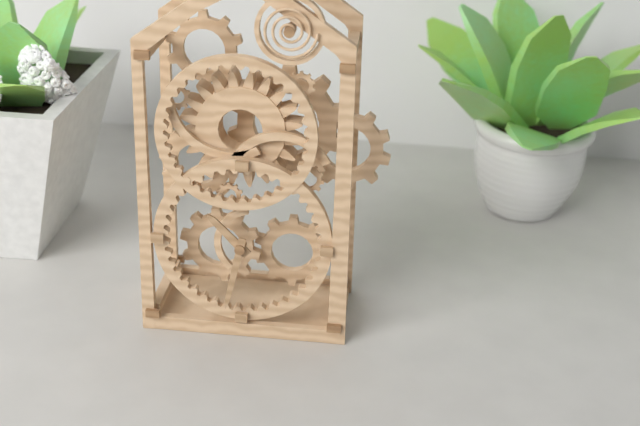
10:32
